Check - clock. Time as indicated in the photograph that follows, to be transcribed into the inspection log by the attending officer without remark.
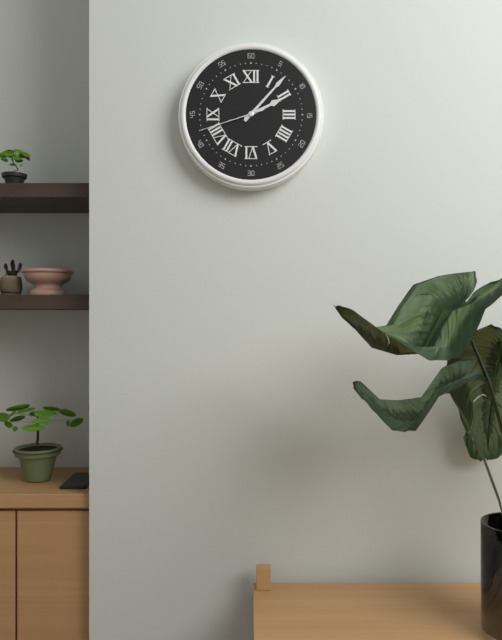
2:07:42
